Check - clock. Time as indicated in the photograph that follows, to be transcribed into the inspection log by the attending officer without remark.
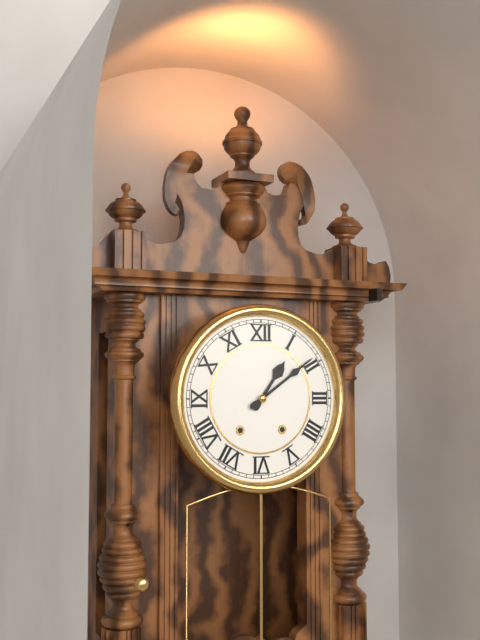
1:09
